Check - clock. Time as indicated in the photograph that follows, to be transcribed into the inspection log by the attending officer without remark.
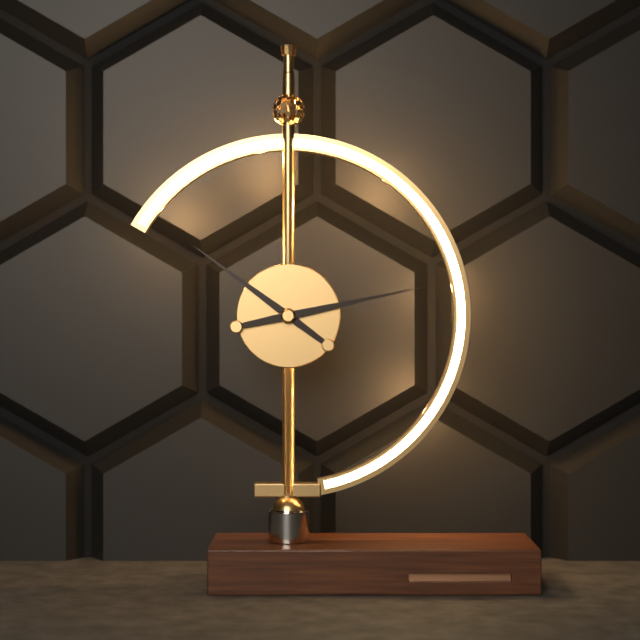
10:13
